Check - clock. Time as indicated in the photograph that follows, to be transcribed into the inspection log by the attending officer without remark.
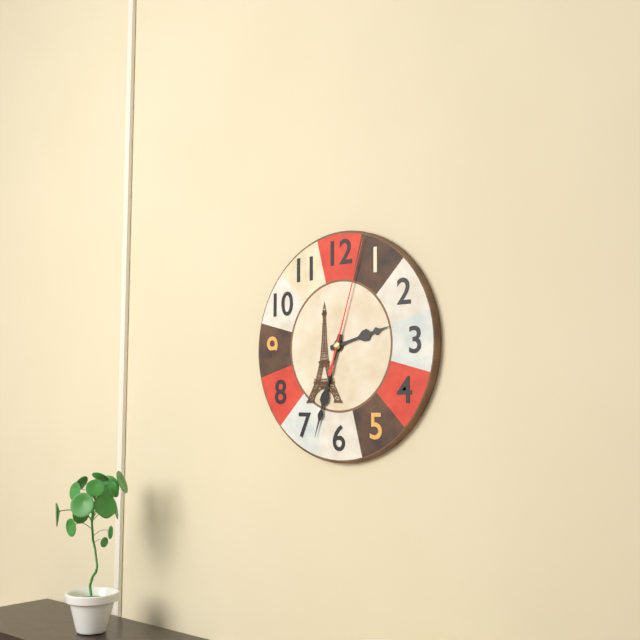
2:33:03
